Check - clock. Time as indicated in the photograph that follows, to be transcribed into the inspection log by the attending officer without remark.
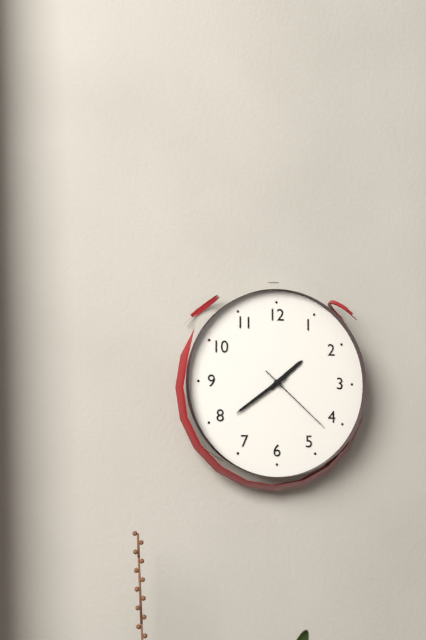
1:39:22
